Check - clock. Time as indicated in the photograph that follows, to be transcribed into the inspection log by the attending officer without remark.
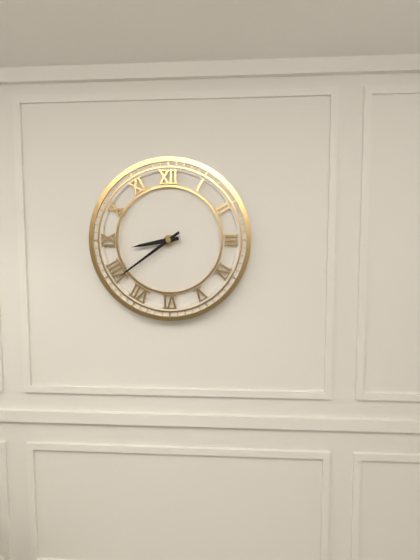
8:39
